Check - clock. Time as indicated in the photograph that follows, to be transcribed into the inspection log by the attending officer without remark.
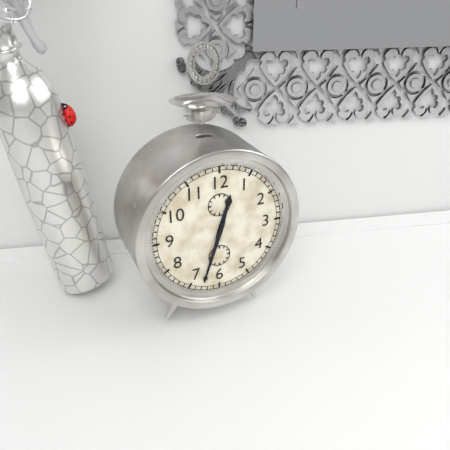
12:33
